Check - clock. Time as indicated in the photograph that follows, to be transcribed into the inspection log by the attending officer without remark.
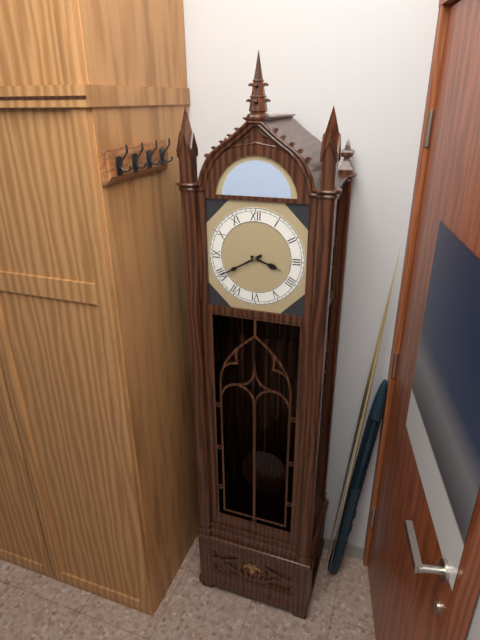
3:40
